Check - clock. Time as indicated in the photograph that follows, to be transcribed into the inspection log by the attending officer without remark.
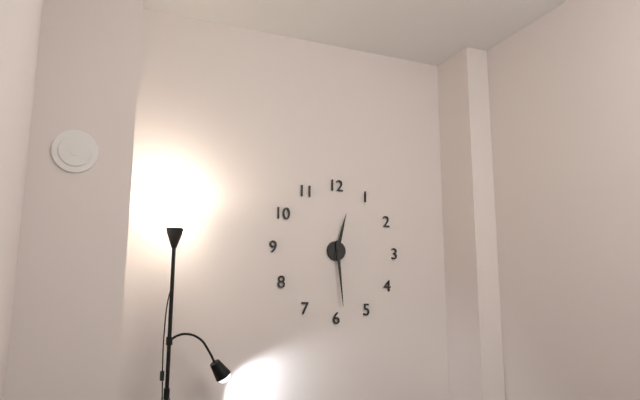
12:29
